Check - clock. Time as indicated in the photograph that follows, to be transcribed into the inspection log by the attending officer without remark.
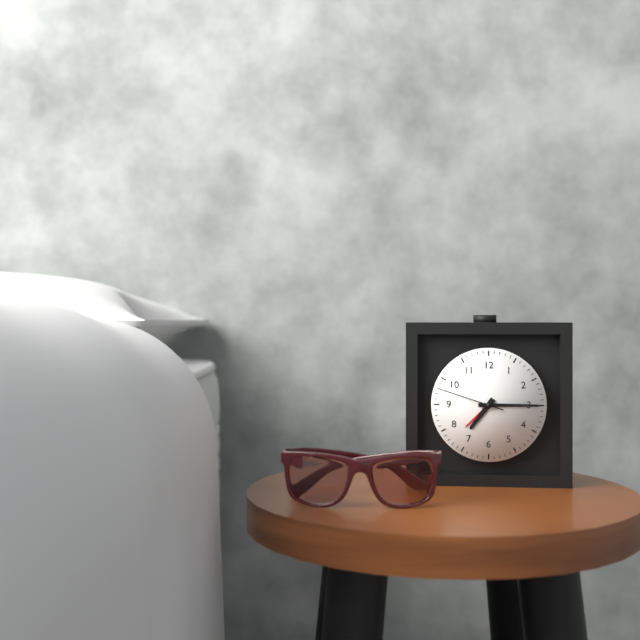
7:15:48
